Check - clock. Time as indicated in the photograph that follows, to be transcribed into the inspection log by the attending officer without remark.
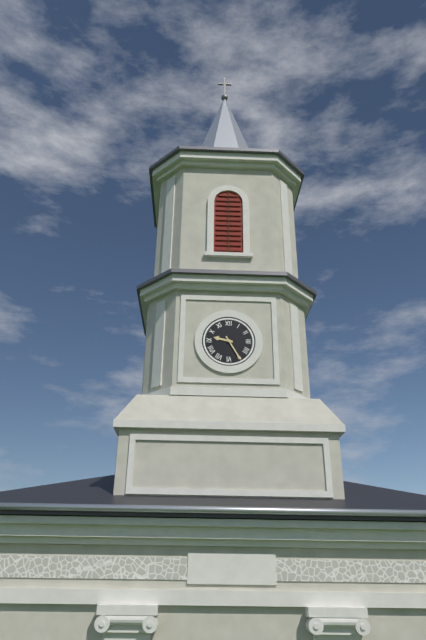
9:25
